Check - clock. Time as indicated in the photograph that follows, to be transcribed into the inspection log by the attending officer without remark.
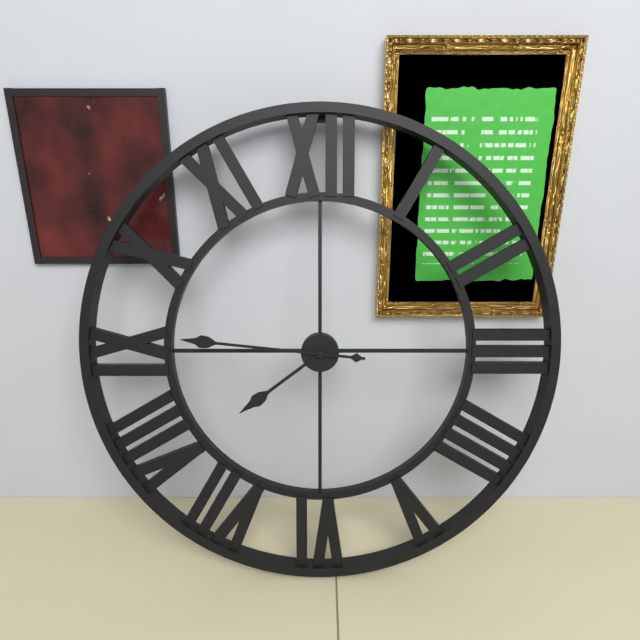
7:46
